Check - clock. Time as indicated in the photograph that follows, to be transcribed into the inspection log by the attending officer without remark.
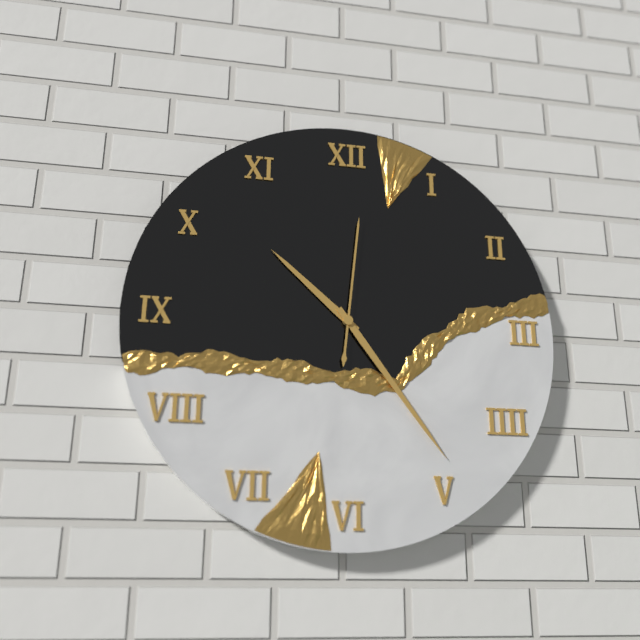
10:24:01
